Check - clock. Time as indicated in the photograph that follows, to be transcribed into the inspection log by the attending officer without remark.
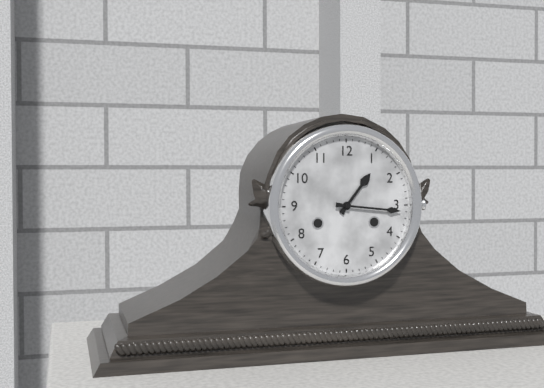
1:16
